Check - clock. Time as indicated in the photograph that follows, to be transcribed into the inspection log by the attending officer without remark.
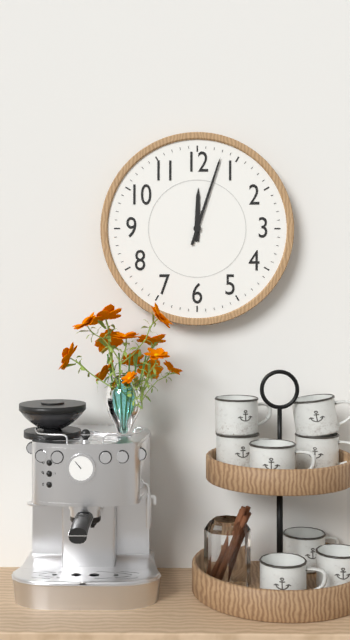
12:03
